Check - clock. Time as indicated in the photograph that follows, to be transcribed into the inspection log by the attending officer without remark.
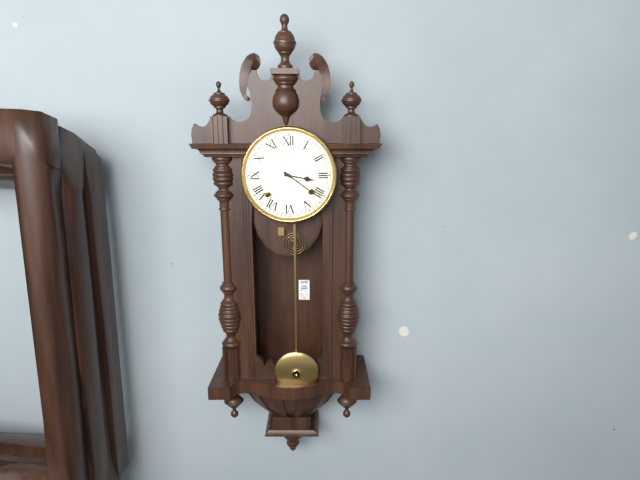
3:21
